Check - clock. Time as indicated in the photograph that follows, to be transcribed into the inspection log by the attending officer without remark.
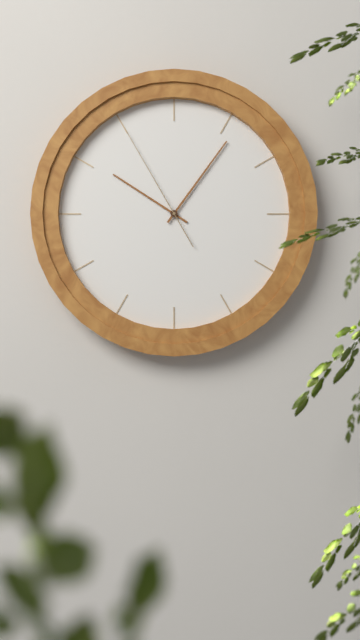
10:06:55
